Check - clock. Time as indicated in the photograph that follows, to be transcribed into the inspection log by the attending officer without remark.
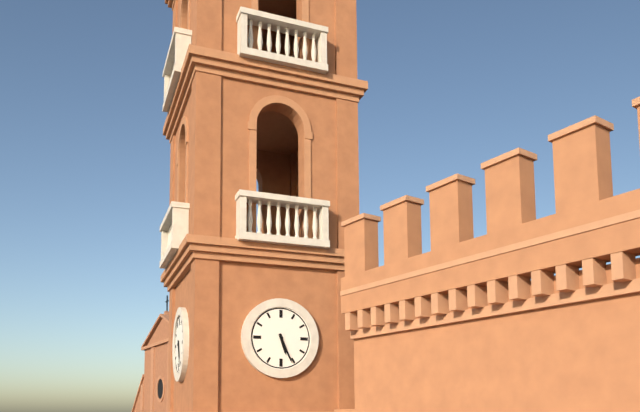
5:26
